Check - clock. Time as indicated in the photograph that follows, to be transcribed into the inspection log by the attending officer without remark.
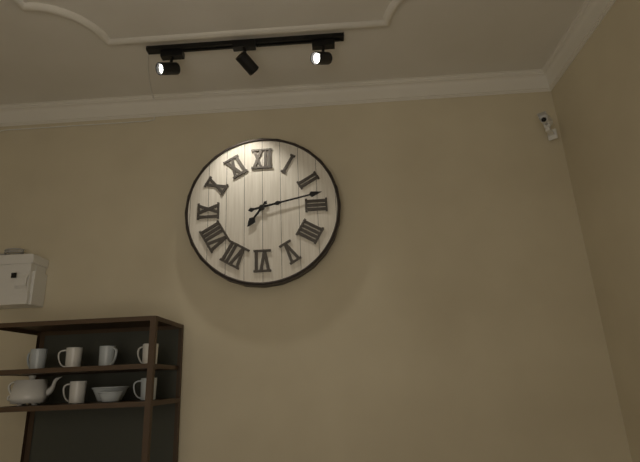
7:13
